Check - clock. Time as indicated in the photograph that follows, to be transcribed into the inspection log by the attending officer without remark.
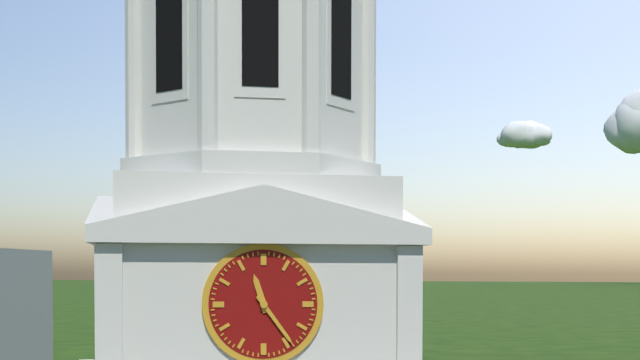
11:24
